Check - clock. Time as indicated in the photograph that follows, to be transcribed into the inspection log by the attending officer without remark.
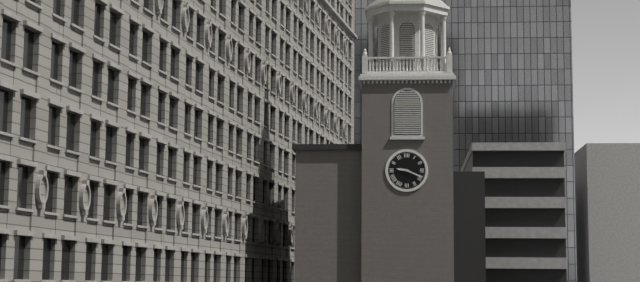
9:19
